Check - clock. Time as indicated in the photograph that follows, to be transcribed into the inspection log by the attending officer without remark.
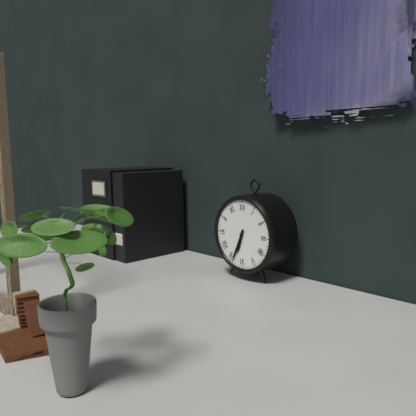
6:34
